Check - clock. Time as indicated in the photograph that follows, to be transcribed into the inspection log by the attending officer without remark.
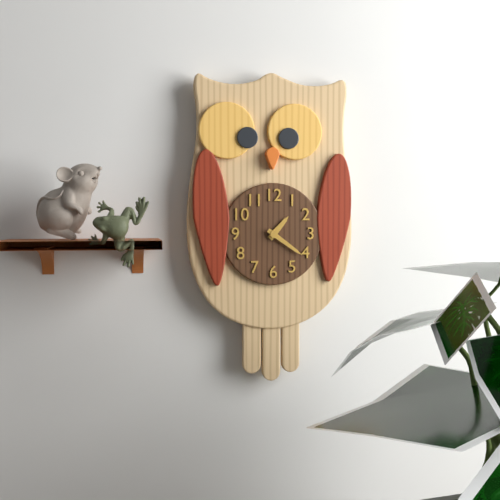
1:21
